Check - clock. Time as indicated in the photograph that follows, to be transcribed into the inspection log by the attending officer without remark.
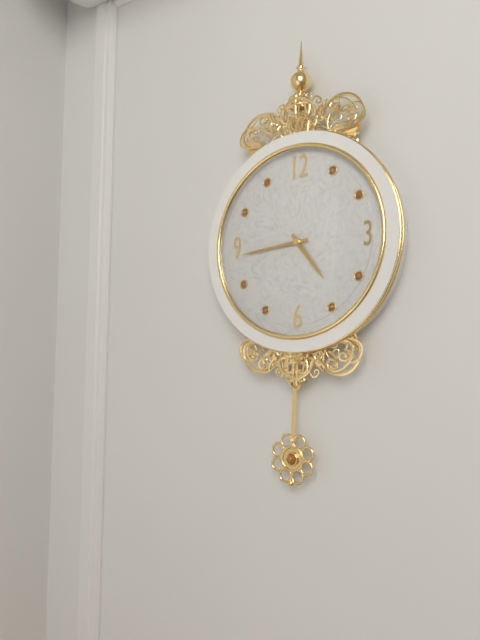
4:44
